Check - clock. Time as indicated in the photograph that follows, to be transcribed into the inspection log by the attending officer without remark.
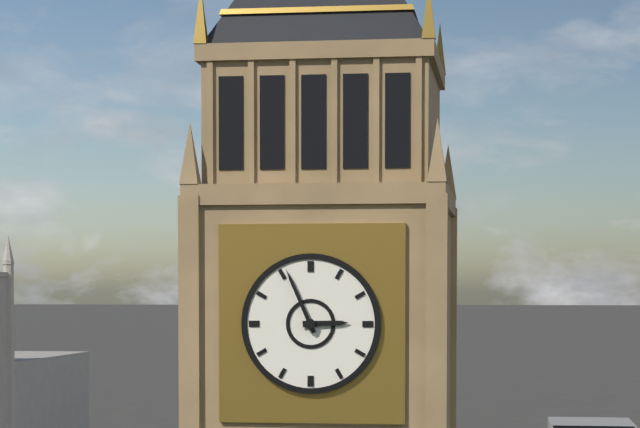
2:56
